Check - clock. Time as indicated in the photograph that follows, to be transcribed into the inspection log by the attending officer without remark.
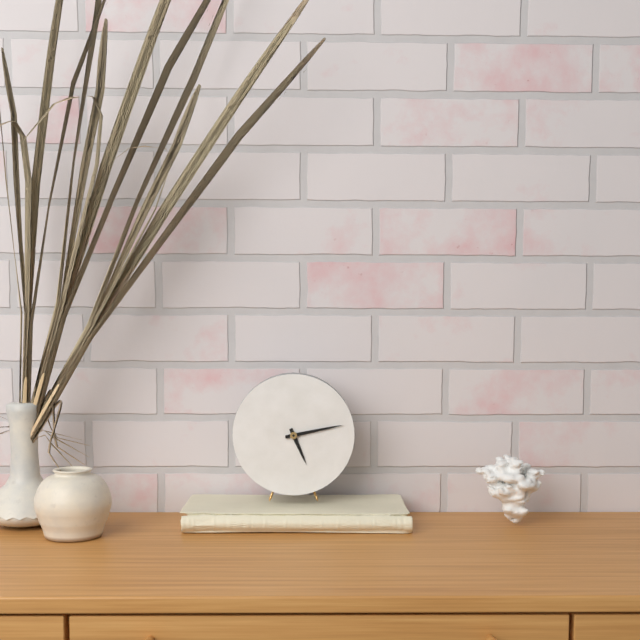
5:13
